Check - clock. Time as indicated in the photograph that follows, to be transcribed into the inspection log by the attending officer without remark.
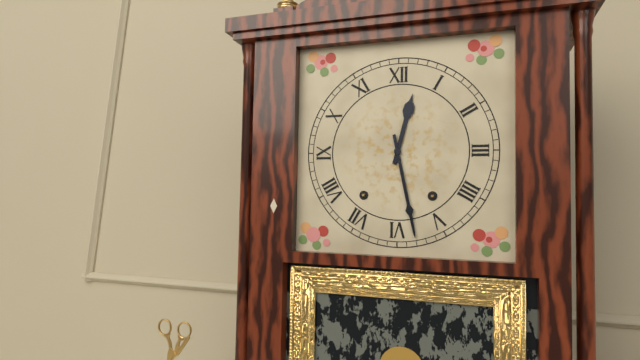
12:28
